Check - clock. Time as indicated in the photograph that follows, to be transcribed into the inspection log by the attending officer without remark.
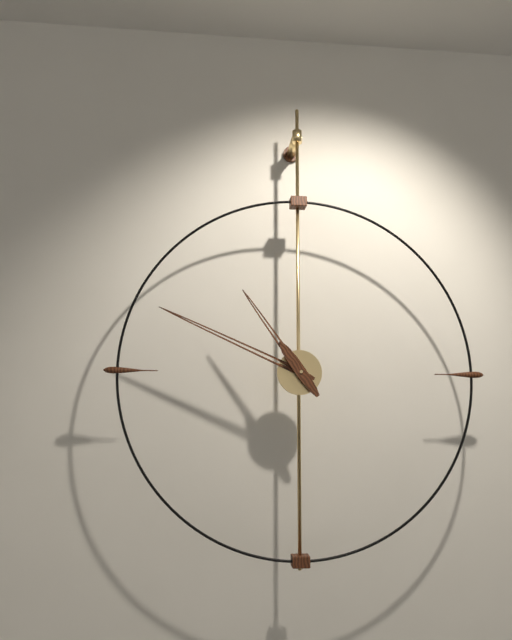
10:49
